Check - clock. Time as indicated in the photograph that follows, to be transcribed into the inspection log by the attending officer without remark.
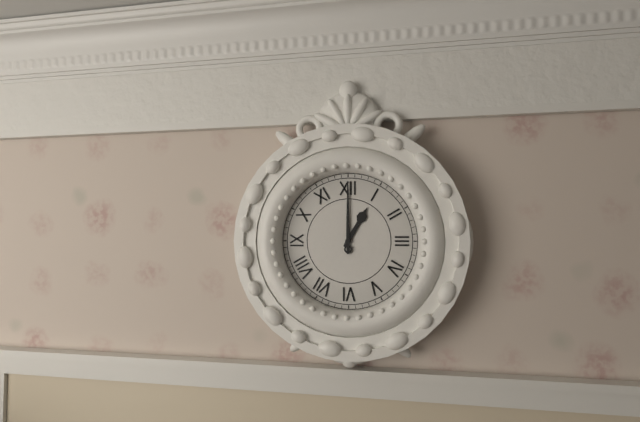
1:00
